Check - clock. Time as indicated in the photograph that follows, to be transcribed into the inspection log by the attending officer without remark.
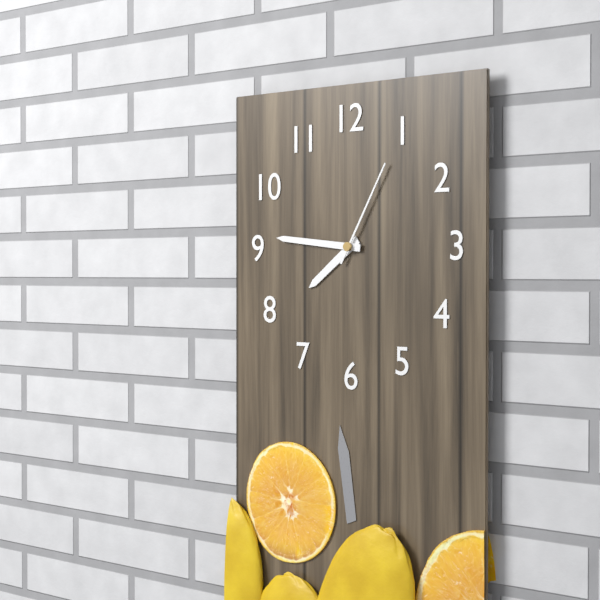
7:46:05
